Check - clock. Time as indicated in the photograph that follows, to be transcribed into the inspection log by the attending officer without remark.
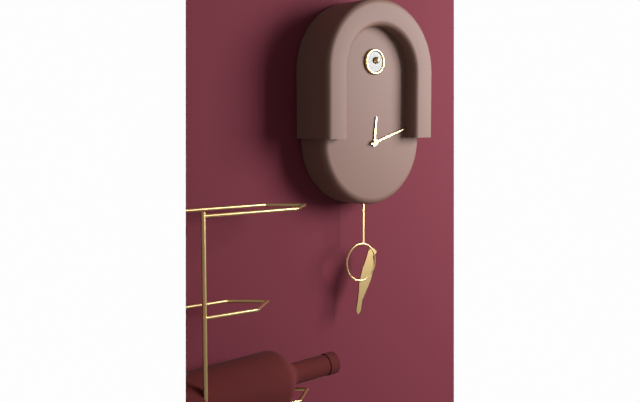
12:12
